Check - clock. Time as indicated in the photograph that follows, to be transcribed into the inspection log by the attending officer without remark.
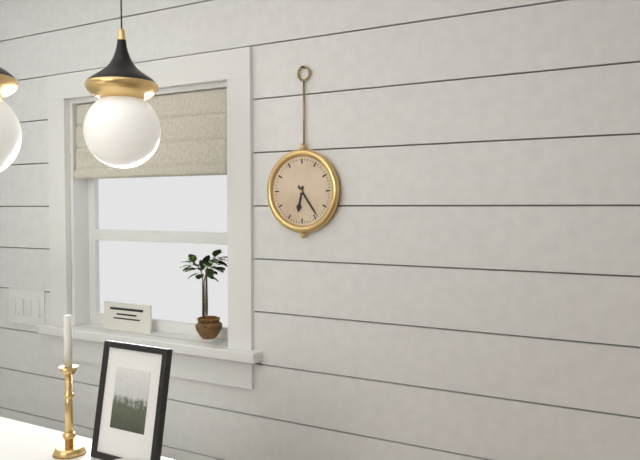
6:24
